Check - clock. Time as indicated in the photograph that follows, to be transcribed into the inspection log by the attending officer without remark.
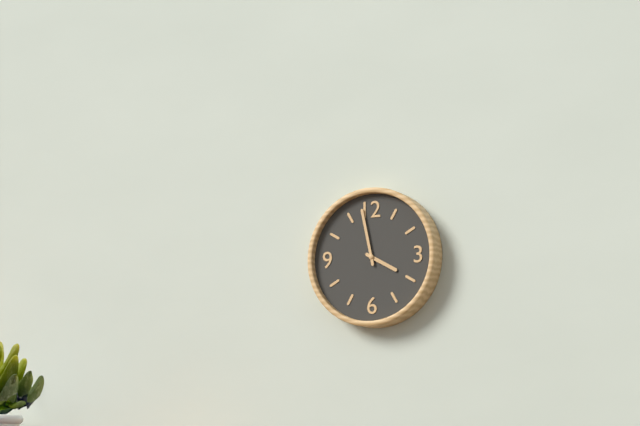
3:58
